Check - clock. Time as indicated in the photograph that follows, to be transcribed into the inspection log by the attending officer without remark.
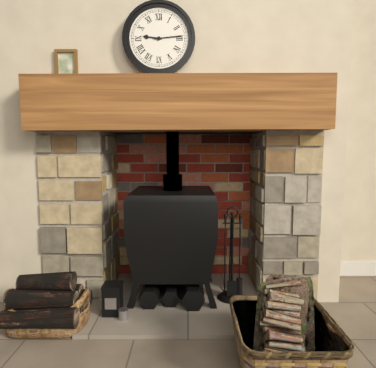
9:14
